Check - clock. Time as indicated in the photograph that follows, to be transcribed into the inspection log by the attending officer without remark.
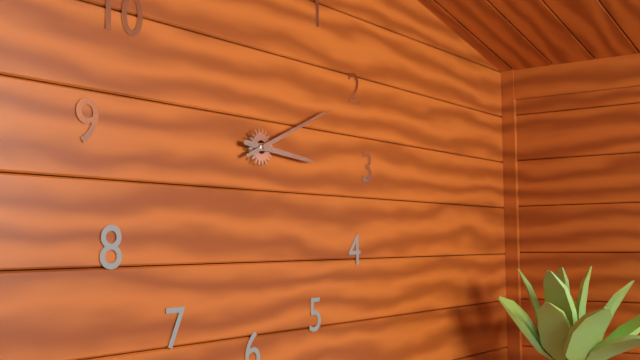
3:11
